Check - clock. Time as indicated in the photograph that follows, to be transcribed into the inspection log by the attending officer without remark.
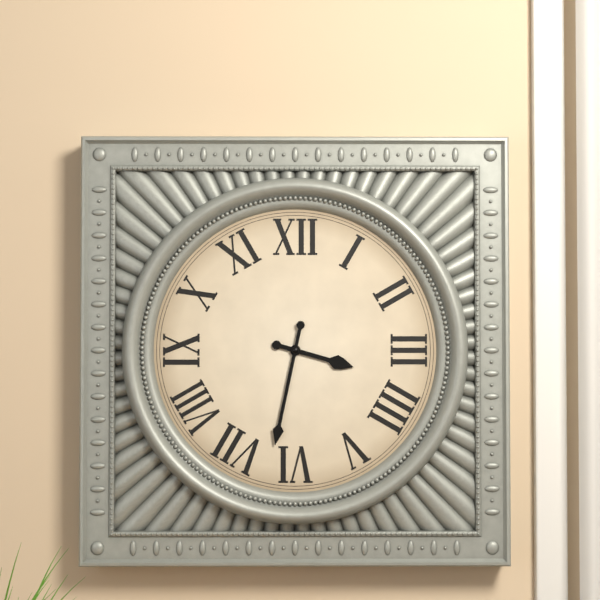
3:32
